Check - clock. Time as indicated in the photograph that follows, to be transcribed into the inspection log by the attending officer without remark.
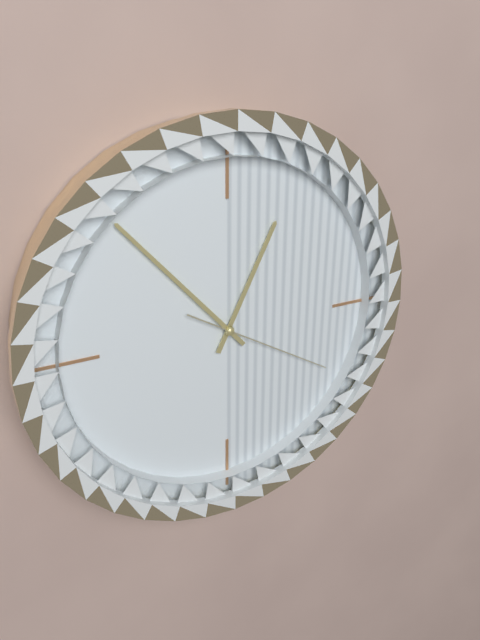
12:53:20
